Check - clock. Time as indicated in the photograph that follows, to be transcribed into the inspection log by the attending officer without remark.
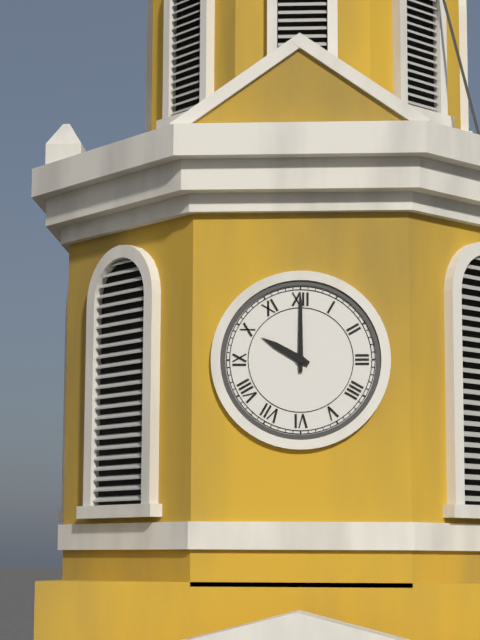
10:00
